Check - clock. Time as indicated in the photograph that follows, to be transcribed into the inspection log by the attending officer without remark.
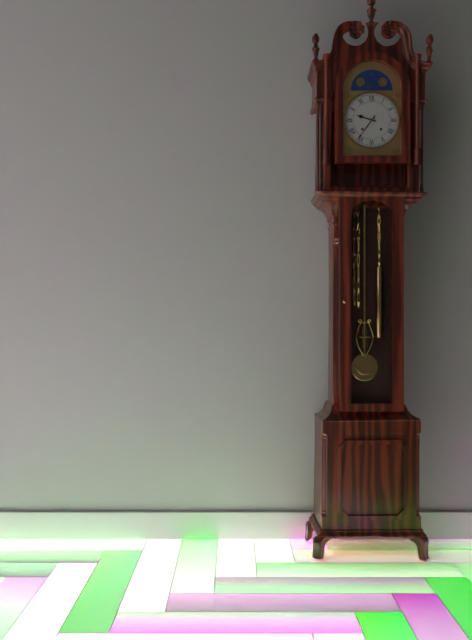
9:36
